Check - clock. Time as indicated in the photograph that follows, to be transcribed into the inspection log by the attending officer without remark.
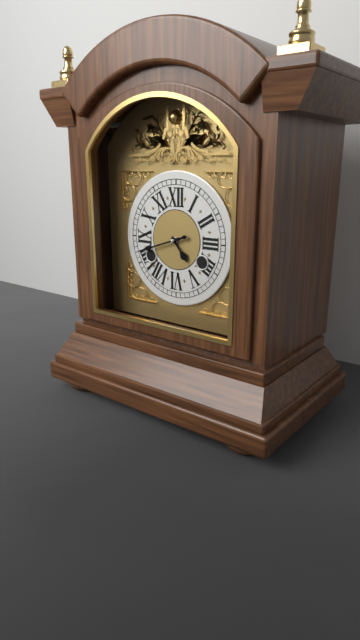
4:42
